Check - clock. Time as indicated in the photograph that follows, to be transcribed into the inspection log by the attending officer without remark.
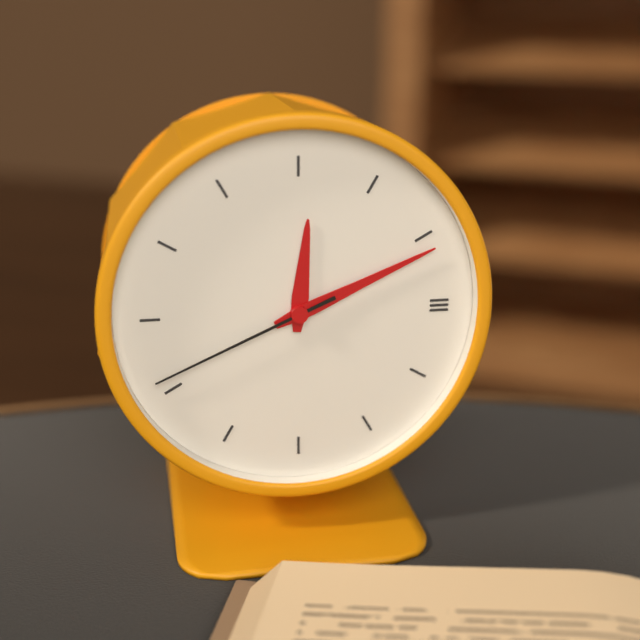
12:11:41
